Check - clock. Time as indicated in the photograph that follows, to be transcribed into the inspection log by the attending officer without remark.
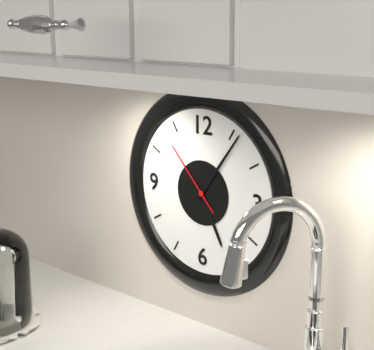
5:06:53
